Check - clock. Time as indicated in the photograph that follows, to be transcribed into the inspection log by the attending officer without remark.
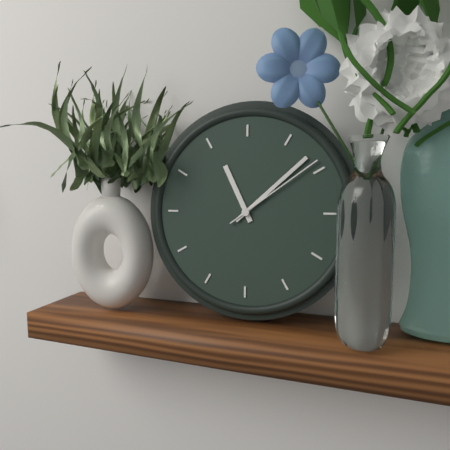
11:08:09
